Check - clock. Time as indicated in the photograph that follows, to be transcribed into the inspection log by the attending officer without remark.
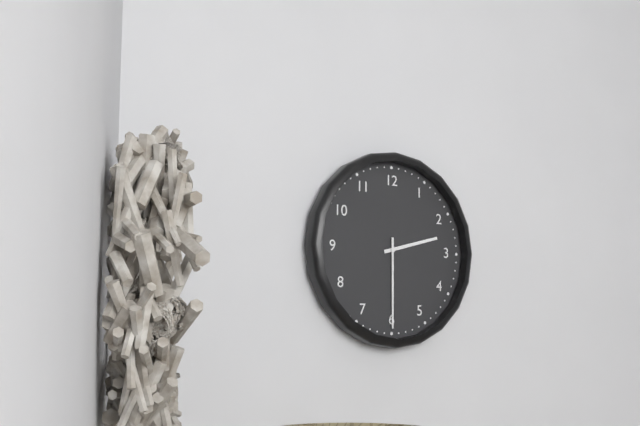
2:30
